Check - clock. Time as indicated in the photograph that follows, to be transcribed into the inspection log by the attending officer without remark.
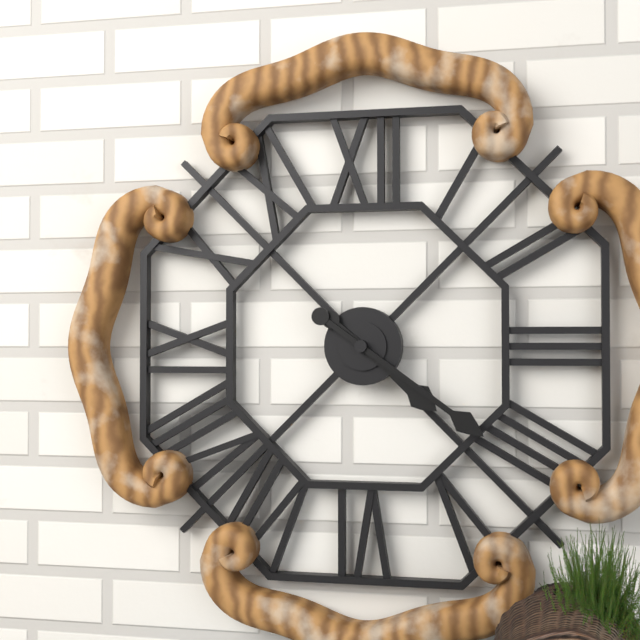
4:21
